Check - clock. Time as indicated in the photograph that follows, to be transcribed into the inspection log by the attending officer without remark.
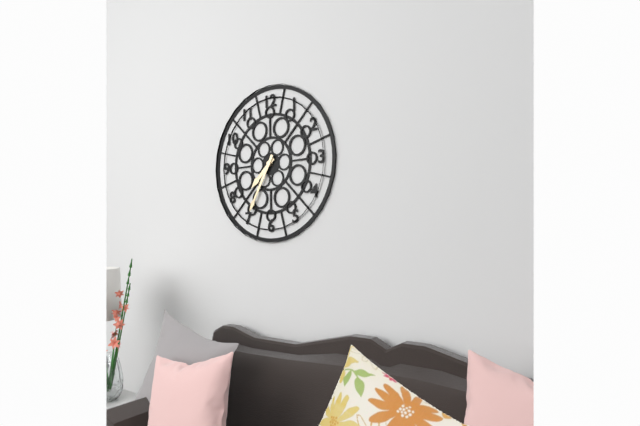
7:35
